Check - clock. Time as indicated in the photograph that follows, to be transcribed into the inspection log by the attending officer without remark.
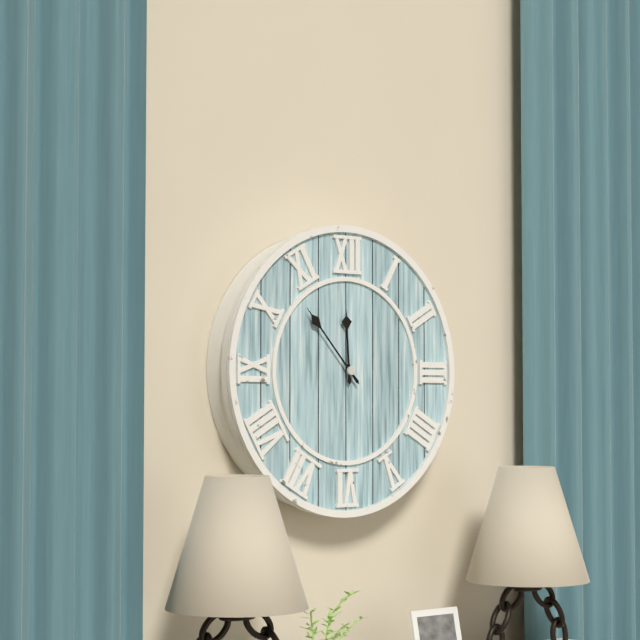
11:53
